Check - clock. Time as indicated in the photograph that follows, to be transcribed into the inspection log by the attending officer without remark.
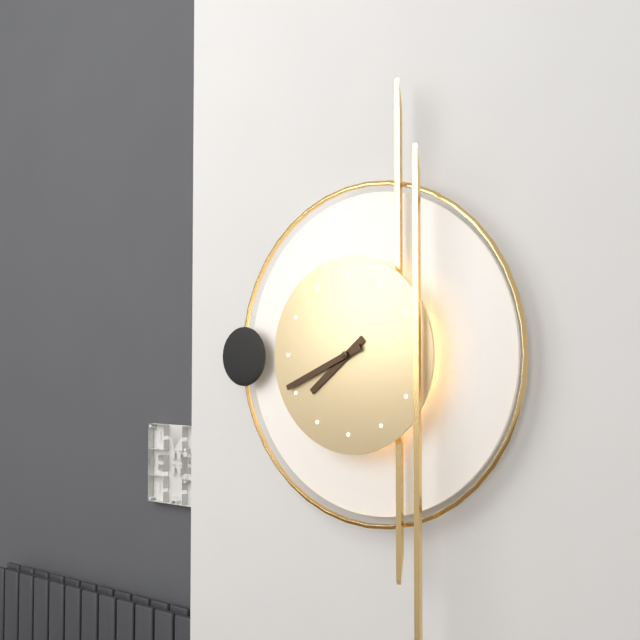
7:41
